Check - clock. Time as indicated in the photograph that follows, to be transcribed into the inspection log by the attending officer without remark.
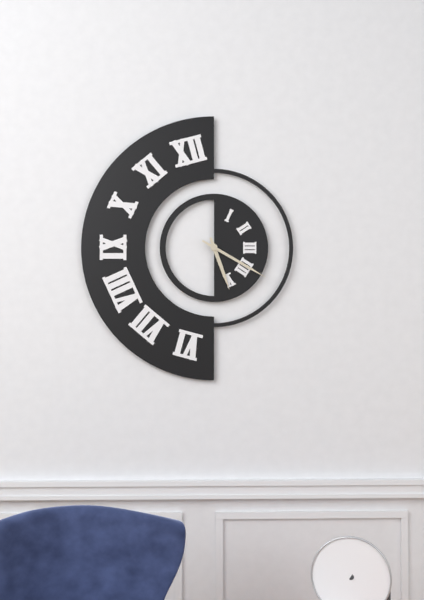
5:20
